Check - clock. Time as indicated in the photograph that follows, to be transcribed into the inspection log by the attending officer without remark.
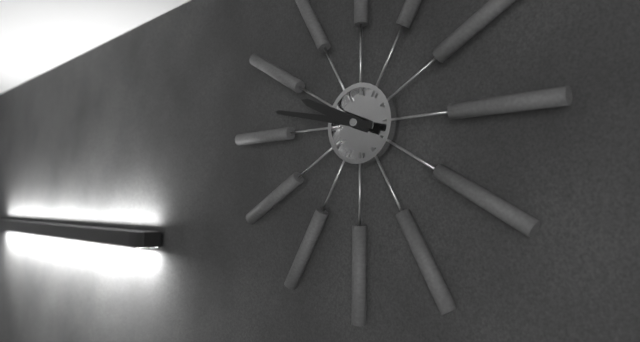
9:47
